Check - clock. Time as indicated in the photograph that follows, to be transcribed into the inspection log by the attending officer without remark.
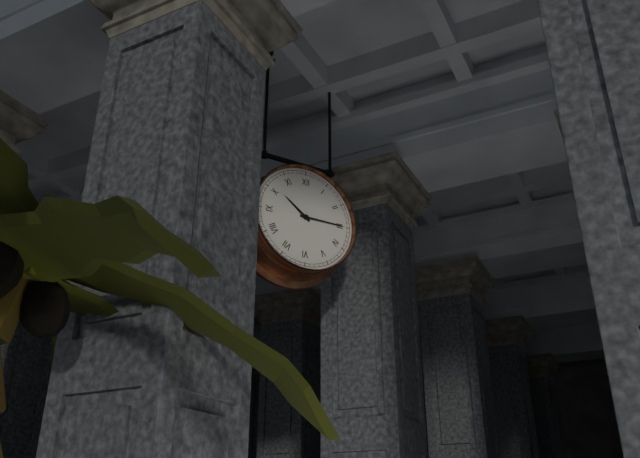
10:15
